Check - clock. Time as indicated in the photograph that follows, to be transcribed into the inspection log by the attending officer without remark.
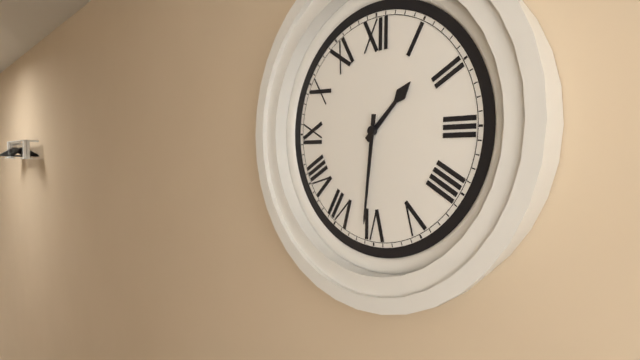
1:31
